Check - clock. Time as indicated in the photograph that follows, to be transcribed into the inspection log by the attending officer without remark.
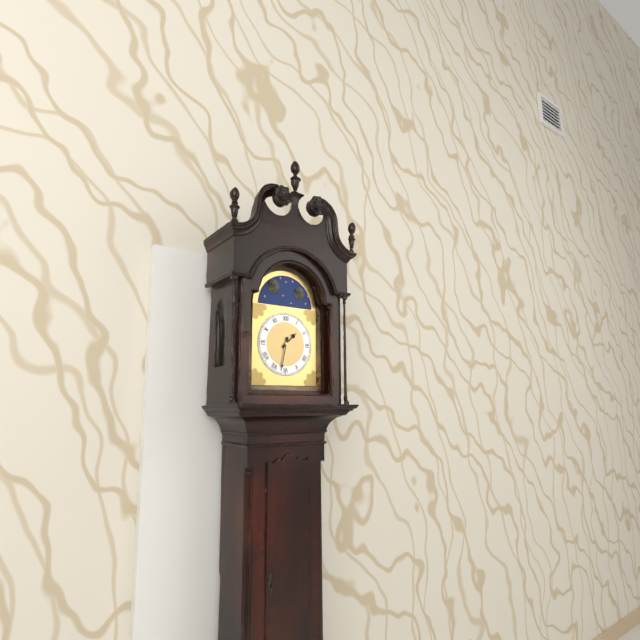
1:32
